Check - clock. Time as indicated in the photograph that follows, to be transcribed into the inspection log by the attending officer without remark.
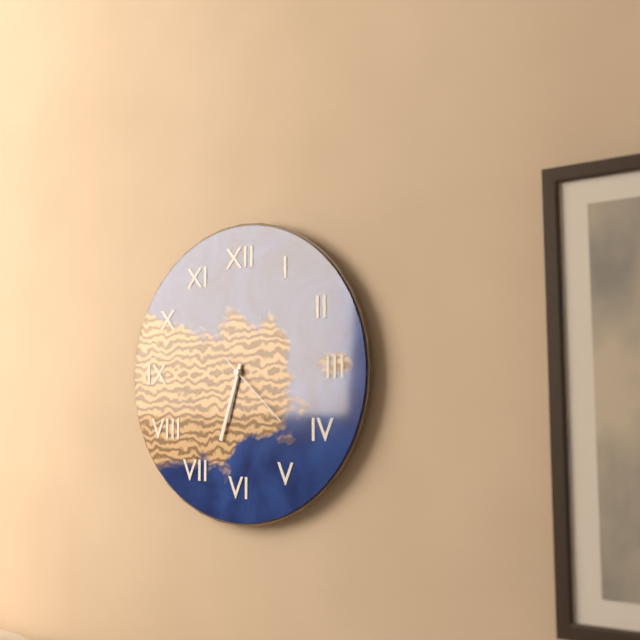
6:33:22
